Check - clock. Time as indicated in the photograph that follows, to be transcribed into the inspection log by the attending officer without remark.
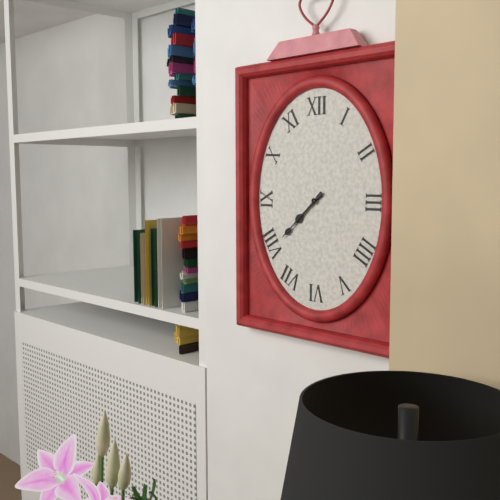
7:38
